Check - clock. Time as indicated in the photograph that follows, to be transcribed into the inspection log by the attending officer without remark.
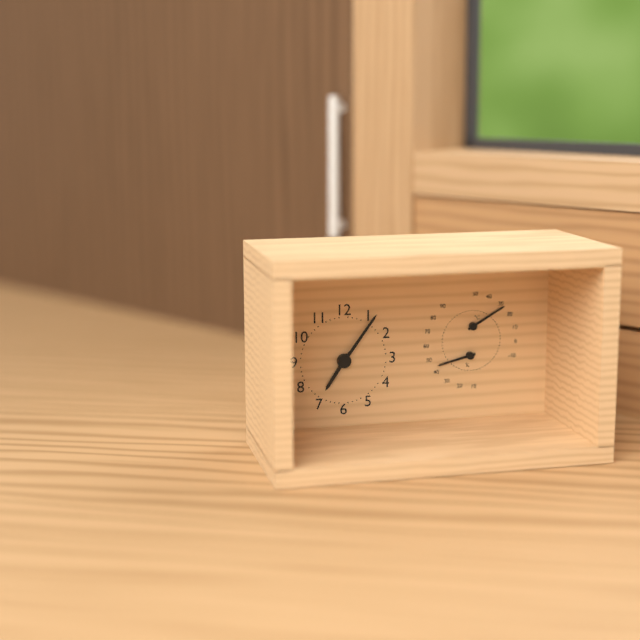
7:06
